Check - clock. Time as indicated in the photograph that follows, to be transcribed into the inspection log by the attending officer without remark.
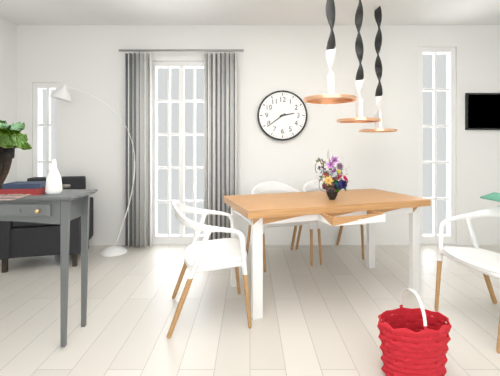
2:39
